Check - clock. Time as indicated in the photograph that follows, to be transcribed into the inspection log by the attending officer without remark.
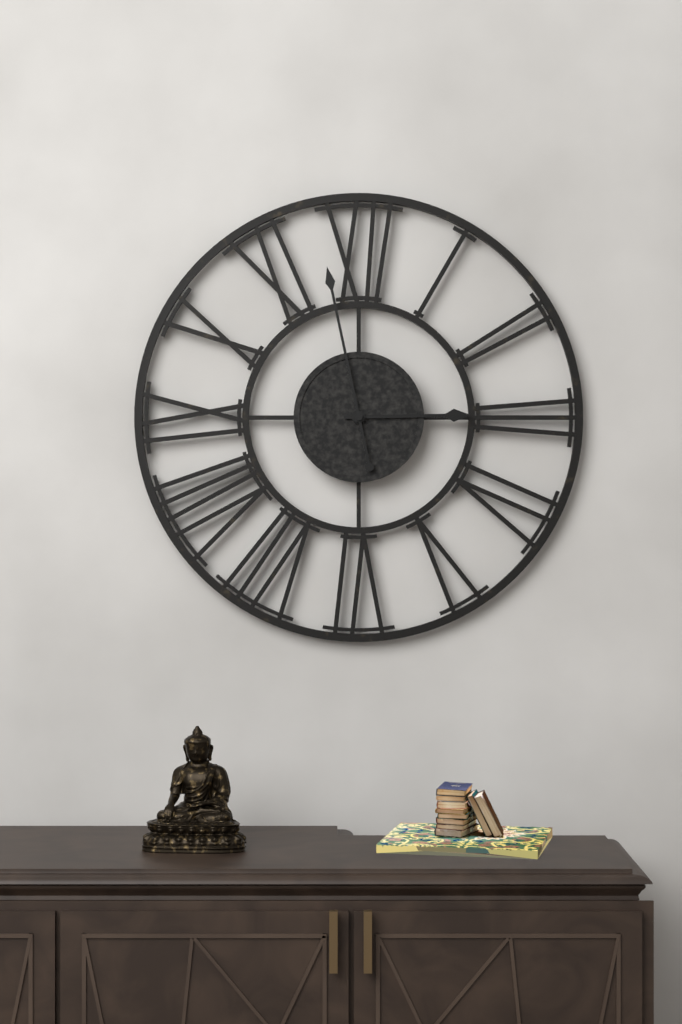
2:58
